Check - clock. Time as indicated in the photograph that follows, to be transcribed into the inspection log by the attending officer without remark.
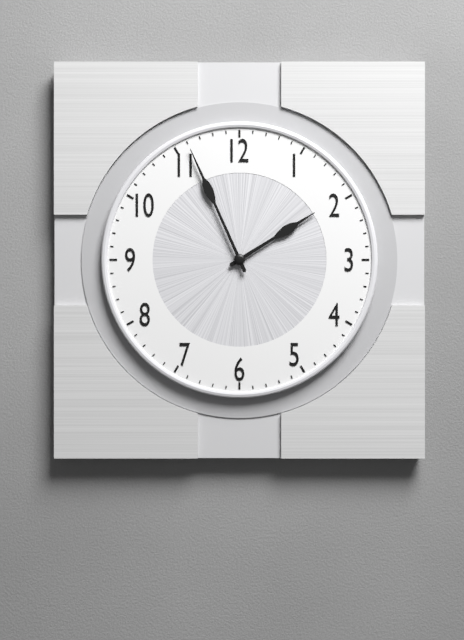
1:56
